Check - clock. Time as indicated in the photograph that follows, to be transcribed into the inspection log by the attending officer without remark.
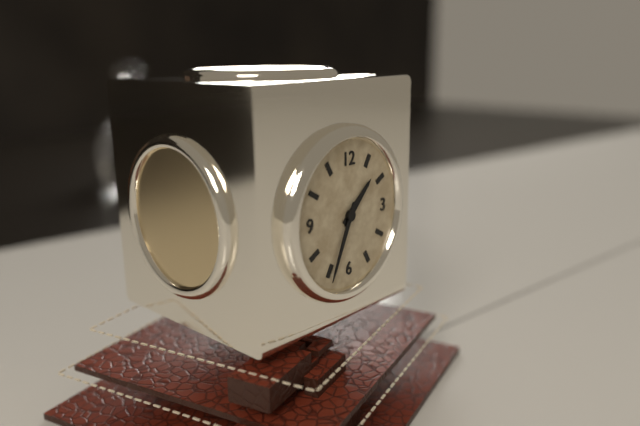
1:34
